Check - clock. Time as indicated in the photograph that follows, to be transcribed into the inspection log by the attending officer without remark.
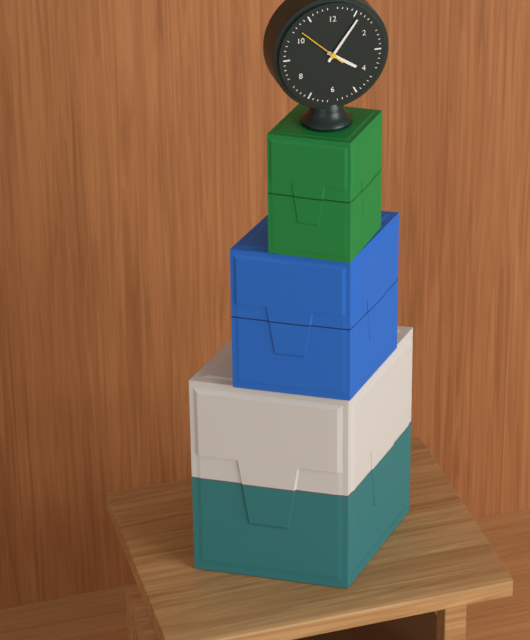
4:06
